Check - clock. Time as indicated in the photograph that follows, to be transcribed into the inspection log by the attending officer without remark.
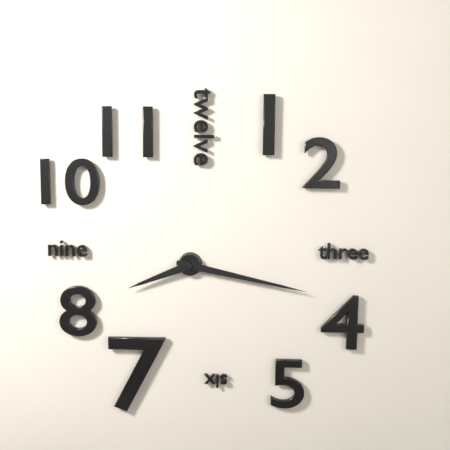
8:17
